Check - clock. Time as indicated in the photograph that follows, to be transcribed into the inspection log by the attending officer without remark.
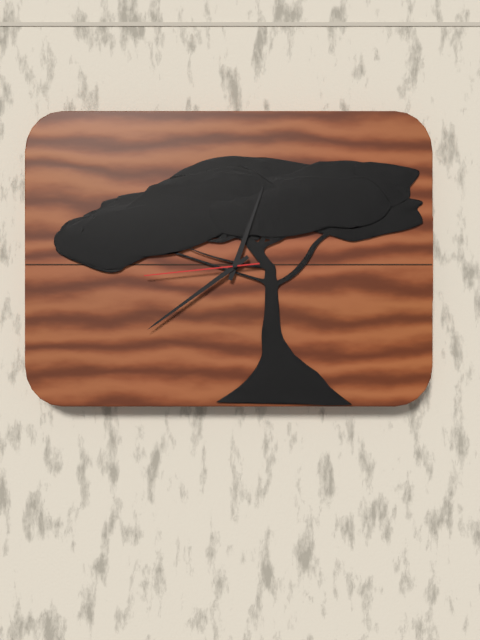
12:39:44
